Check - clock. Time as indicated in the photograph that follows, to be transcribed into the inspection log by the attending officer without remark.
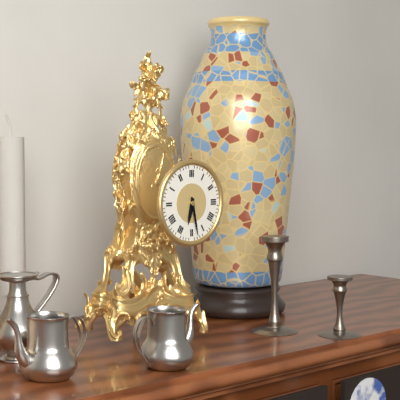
6:28
